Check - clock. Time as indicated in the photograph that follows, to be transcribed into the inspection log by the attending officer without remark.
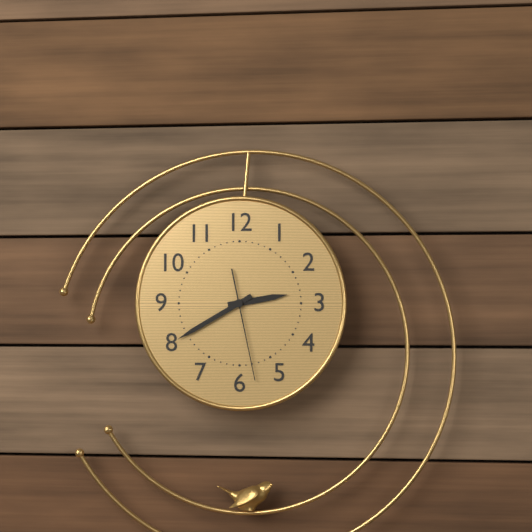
2:40:28
